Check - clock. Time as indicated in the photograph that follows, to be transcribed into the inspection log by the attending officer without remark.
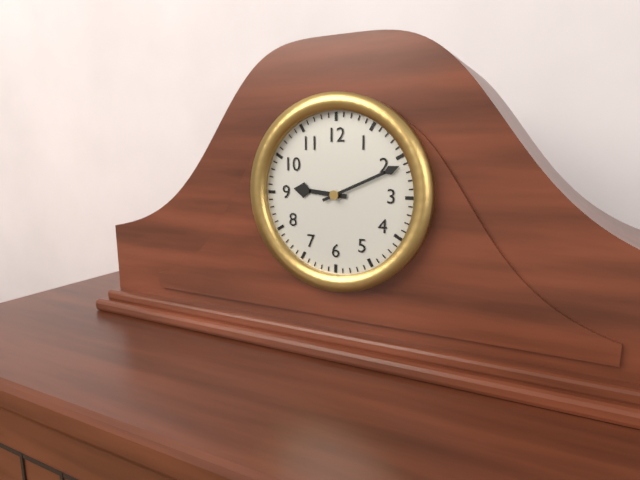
9:11
